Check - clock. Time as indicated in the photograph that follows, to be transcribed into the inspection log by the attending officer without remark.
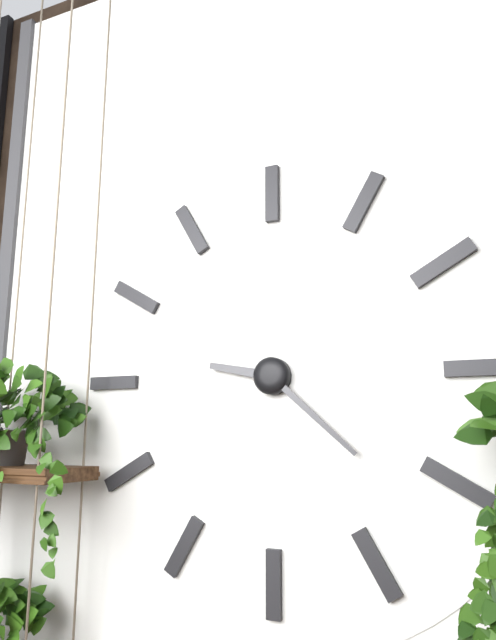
9:22
